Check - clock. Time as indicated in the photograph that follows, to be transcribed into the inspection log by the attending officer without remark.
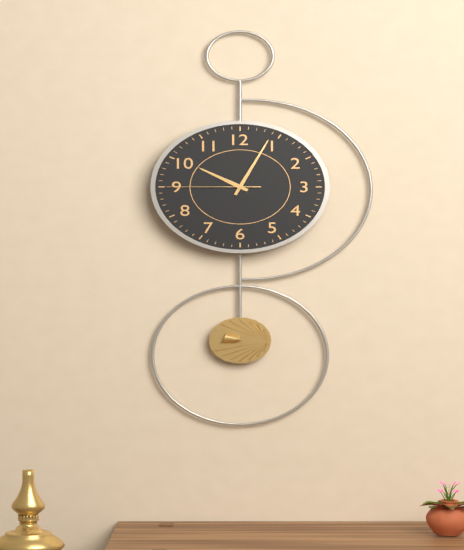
10:04:45
